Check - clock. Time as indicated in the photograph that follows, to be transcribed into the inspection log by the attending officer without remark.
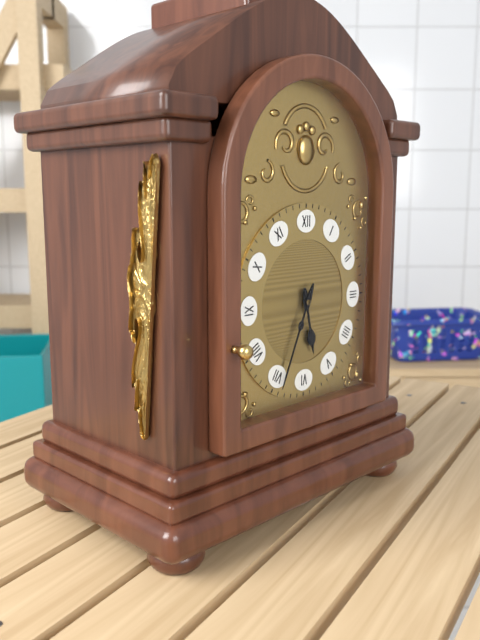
5:34
